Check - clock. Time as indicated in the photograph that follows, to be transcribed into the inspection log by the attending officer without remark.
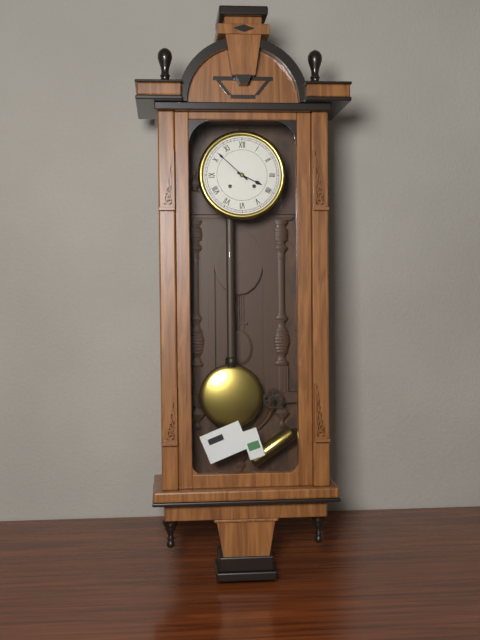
3:52
